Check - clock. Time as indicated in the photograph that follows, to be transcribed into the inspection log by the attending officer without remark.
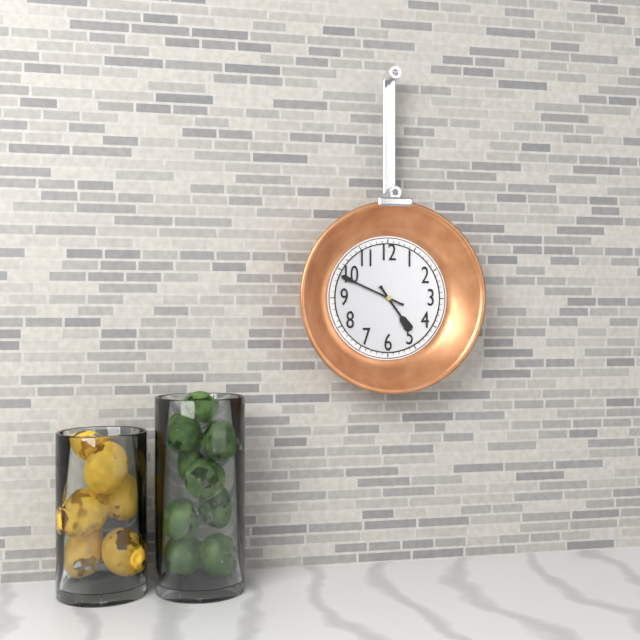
4:49
